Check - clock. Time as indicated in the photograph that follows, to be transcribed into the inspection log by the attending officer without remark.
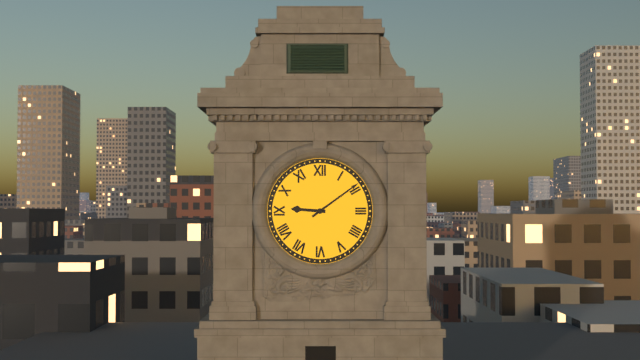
9:09
